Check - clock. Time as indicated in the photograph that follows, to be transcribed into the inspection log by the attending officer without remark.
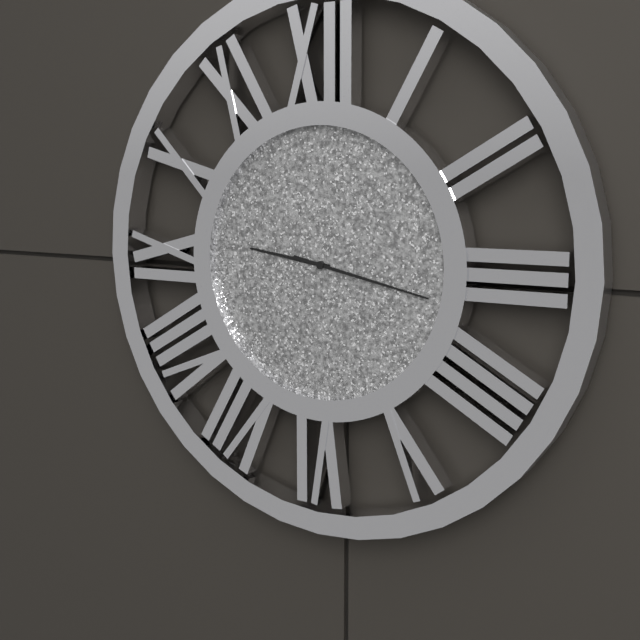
9:17
